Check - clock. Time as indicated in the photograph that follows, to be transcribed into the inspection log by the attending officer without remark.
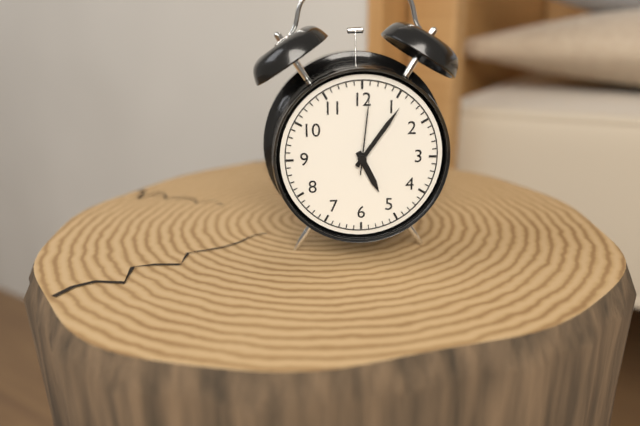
5:06:01
